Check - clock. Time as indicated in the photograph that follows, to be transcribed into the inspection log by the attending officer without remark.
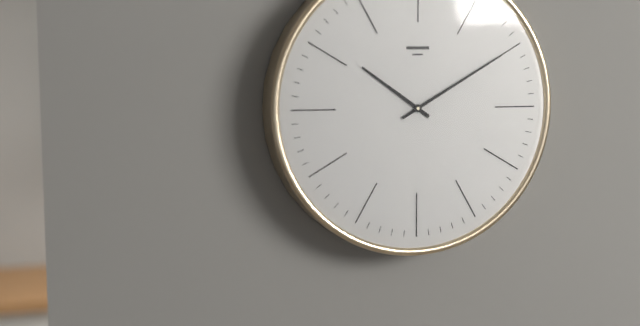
10:10
